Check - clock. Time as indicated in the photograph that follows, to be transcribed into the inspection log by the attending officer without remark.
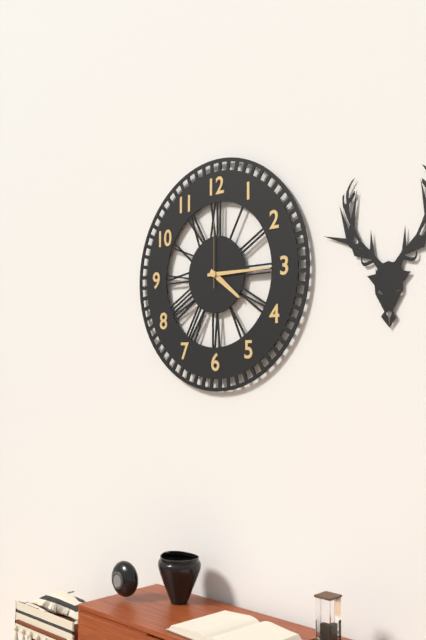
4:15:00
